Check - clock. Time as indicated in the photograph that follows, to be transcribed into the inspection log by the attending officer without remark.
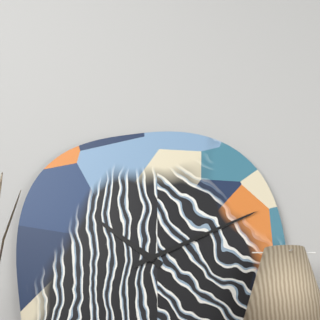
10:11
